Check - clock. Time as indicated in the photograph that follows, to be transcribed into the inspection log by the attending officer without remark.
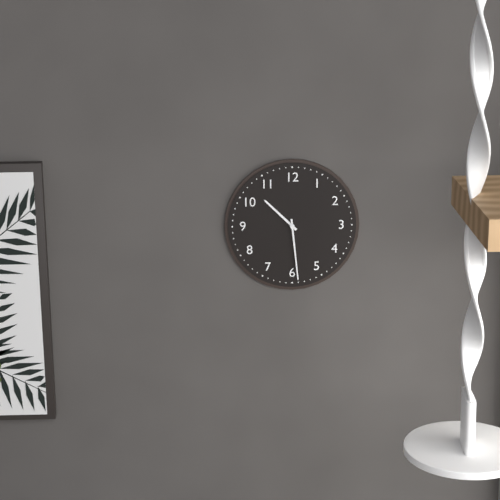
10:29
